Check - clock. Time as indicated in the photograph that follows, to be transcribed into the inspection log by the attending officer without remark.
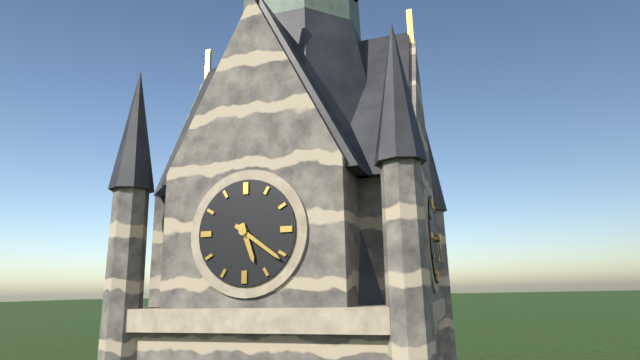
5:21
